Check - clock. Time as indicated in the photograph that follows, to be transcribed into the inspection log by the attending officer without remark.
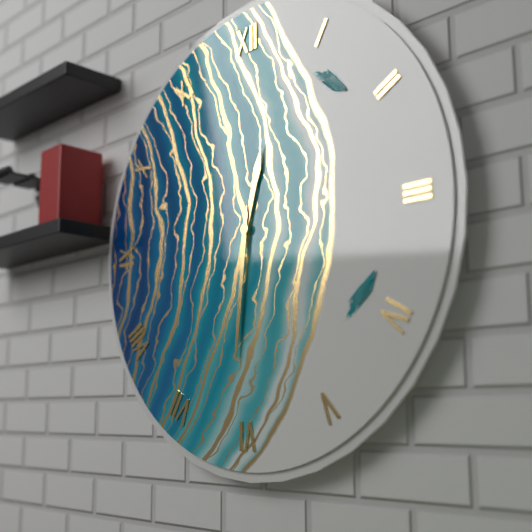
12:31
